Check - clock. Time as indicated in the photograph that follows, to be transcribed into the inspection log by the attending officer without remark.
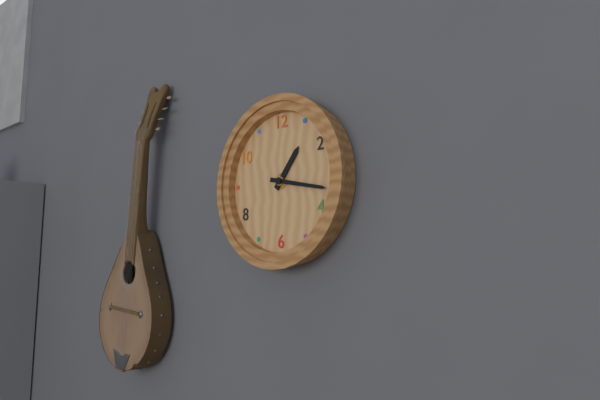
1:17
